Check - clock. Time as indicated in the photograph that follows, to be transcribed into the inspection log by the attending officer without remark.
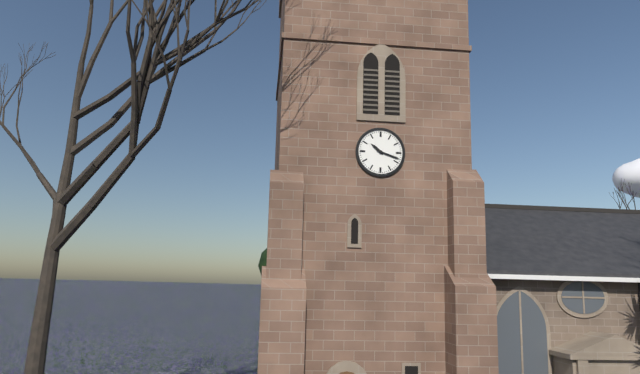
10:18
